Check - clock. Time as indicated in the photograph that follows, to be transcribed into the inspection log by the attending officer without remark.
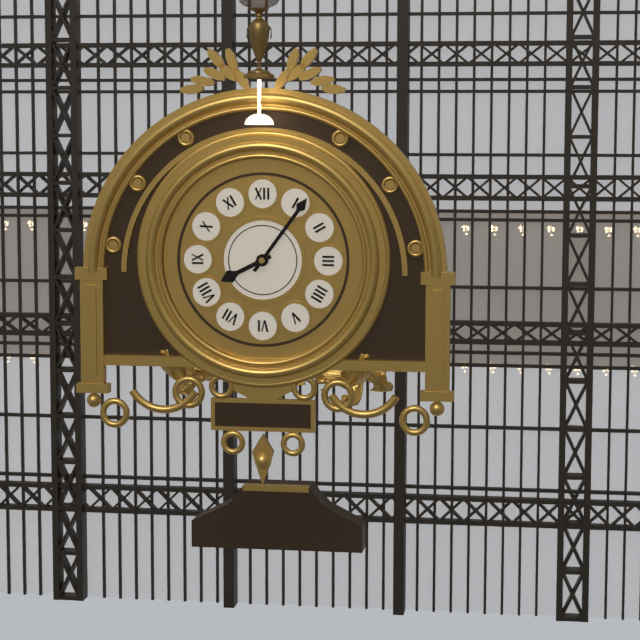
8:06
